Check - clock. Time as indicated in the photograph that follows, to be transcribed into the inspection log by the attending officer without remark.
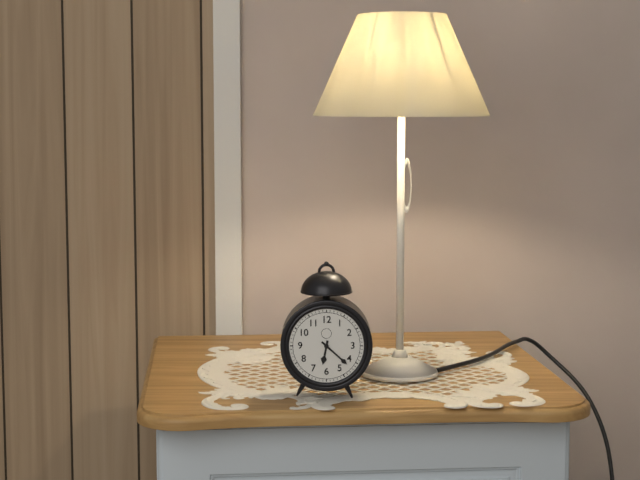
6:22
